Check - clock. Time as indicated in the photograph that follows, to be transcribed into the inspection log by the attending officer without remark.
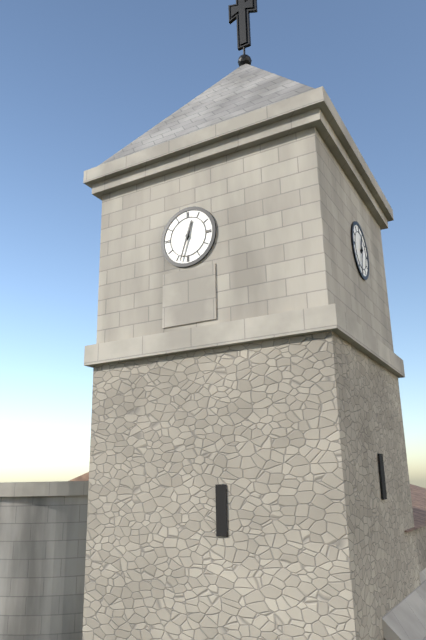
12:33
